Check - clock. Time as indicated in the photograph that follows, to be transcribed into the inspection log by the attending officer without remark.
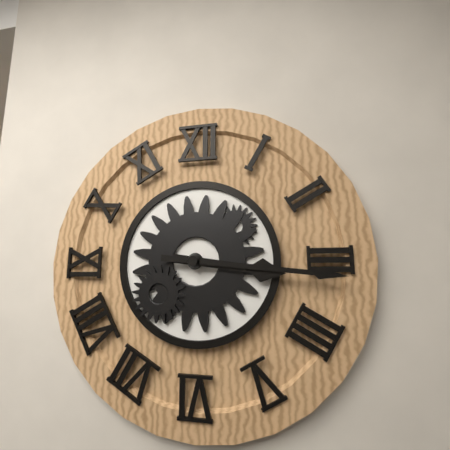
3:16
